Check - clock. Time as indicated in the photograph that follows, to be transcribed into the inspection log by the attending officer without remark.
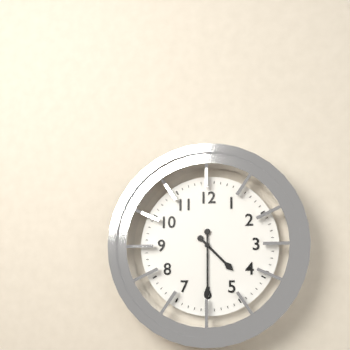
4:30
